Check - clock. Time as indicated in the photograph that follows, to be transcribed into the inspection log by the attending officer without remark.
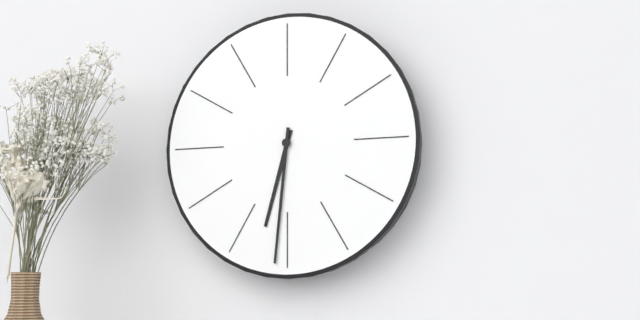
6:31
